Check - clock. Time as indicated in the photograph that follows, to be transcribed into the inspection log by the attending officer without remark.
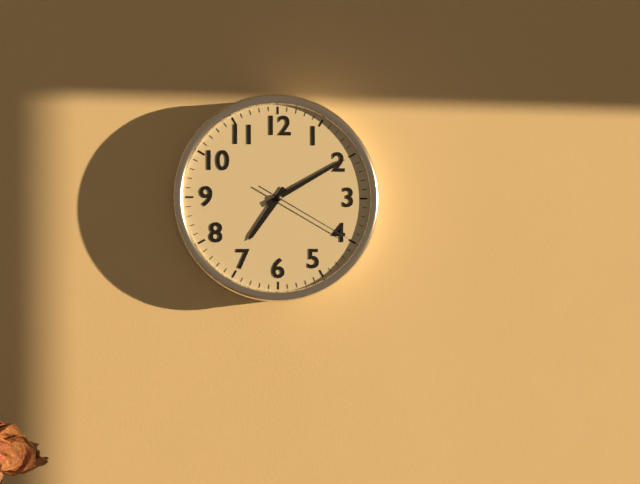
7:10:20
